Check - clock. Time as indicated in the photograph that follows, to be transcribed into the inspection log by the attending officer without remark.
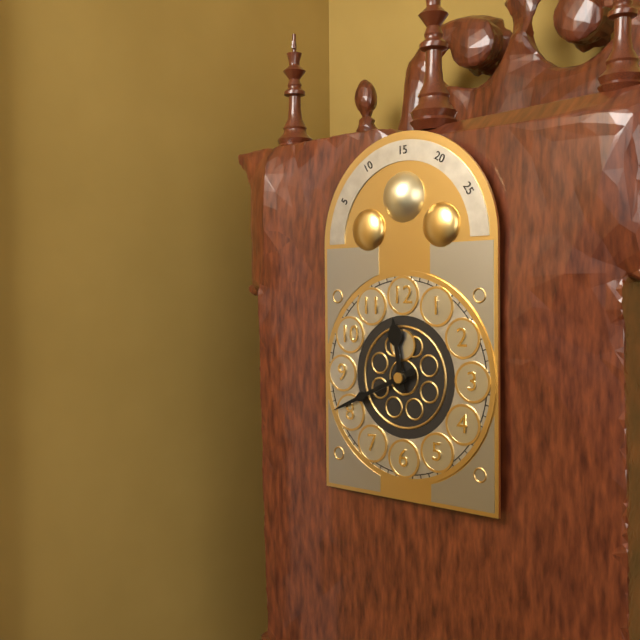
11:41
